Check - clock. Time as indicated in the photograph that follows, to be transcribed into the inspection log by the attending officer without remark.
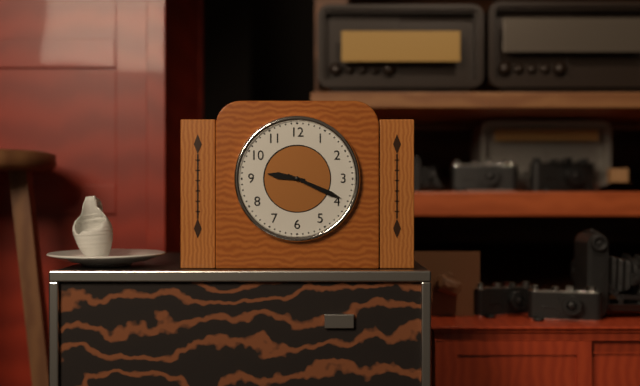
9:19
